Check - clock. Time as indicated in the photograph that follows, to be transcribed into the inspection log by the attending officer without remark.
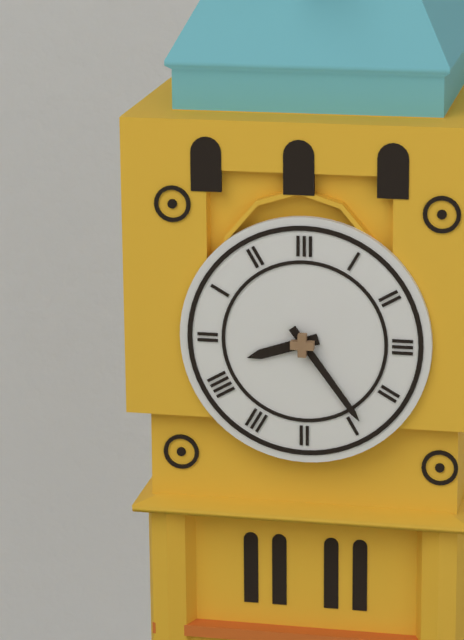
8:24
